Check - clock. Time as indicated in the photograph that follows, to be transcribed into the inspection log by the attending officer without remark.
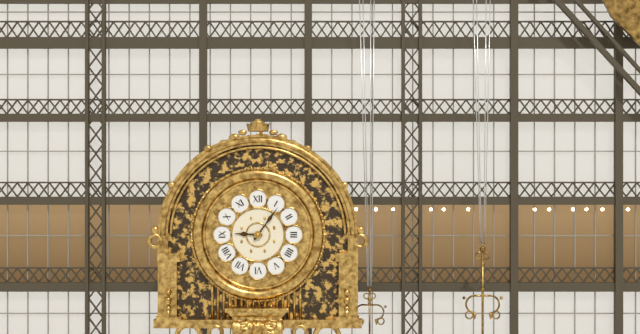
9:06
